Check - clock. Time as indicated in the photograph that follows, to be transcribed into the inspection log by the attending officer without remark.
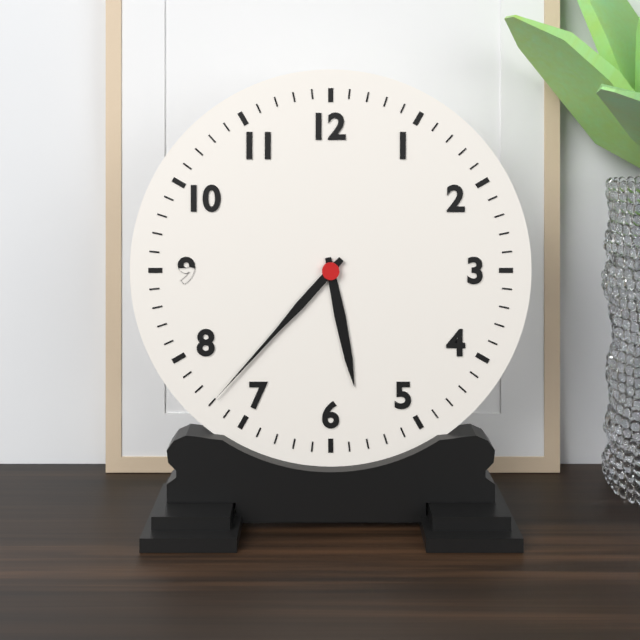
5:37
